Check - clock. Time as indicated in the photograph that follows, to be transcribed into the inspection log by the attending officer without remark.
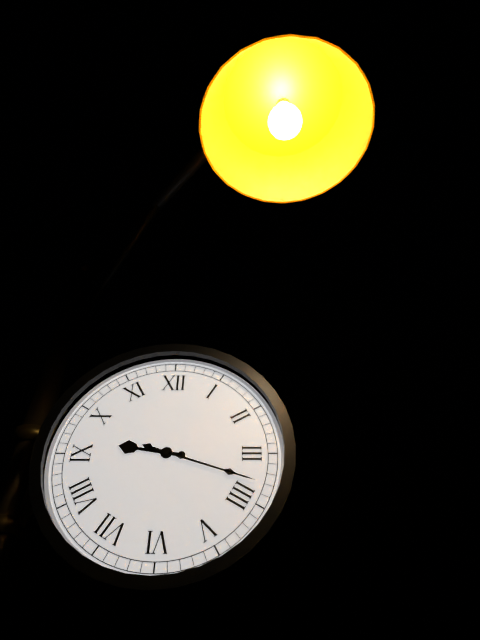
9:18
